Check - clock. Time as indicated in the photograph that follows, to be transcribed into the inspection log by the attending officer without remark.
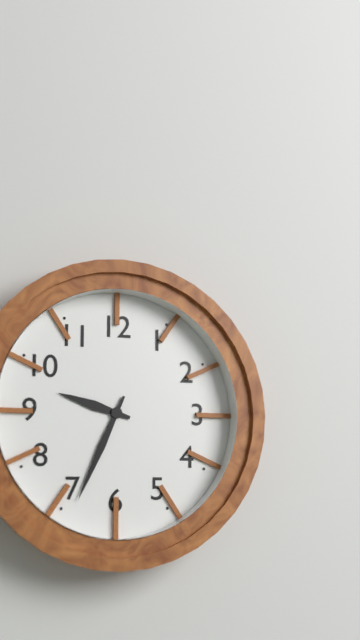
9:34
